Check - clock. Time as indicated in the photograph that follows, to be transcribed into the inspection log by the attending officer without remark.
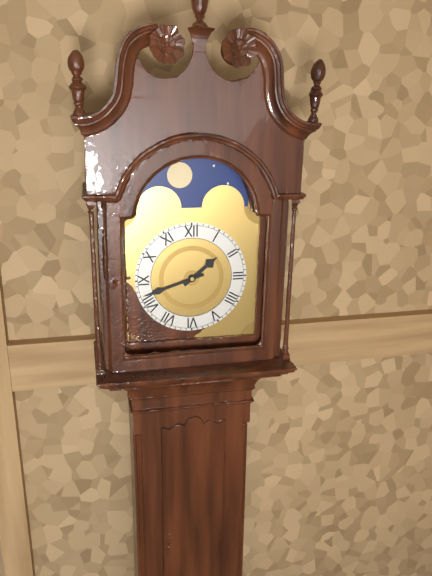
1:42
